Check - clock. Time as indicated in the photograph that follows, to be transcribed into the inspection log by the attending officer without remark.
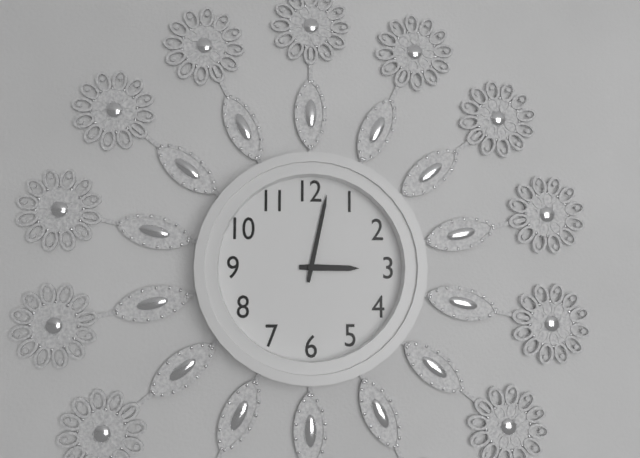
3:02
